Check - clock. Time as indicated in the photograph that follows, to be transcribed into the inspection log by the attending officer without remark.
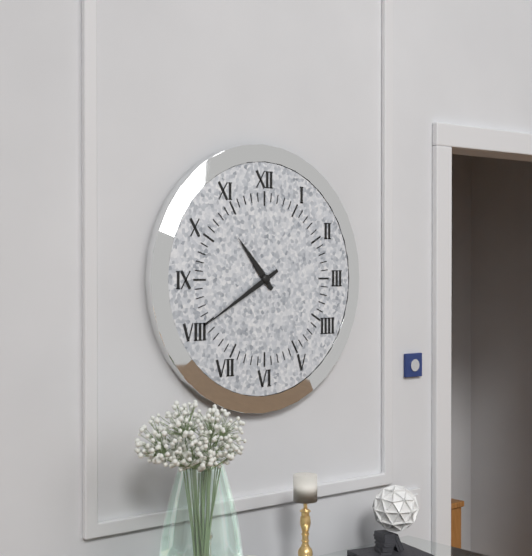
10:40
